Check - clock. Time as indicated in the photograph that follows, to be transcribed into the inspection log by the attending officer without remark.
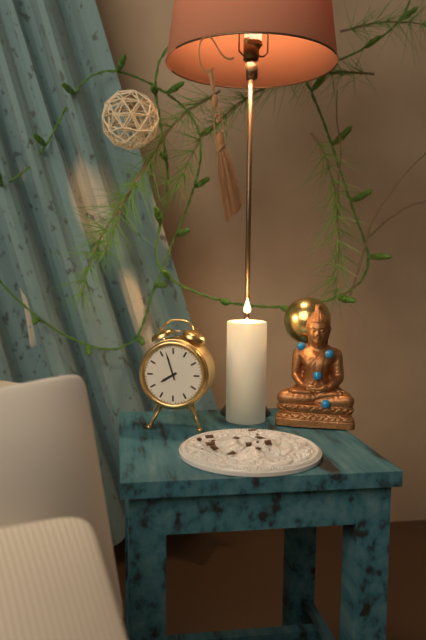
7:57
